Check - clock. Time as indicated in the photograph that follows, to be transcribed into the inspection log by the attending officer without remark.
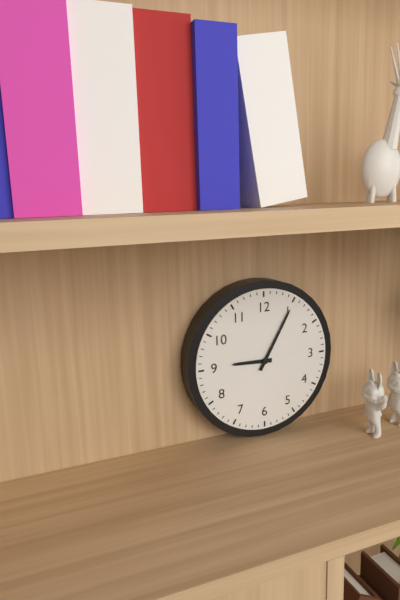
9:05
